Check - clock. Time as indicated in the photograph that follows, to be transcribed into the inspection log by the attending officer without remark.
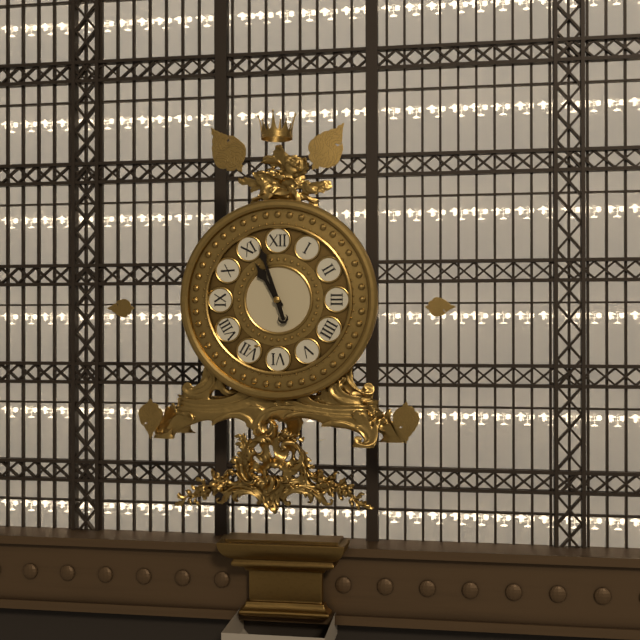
10:57
